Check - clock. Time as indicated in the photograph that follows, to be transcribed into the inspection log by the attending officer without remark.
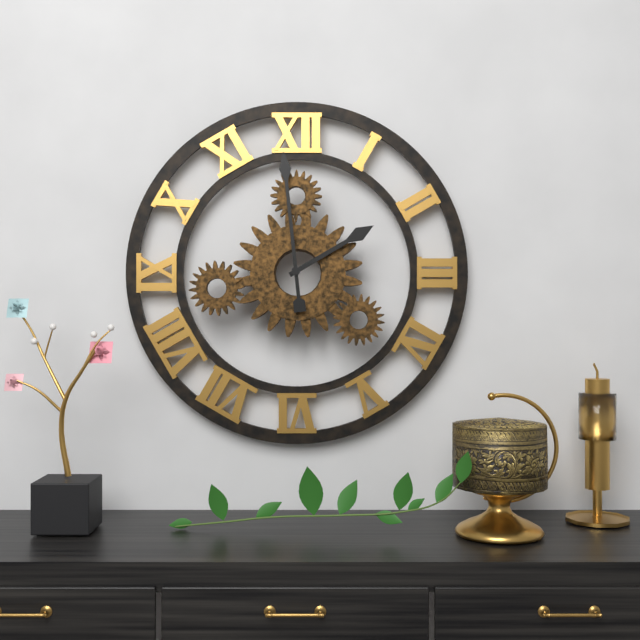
1:59
